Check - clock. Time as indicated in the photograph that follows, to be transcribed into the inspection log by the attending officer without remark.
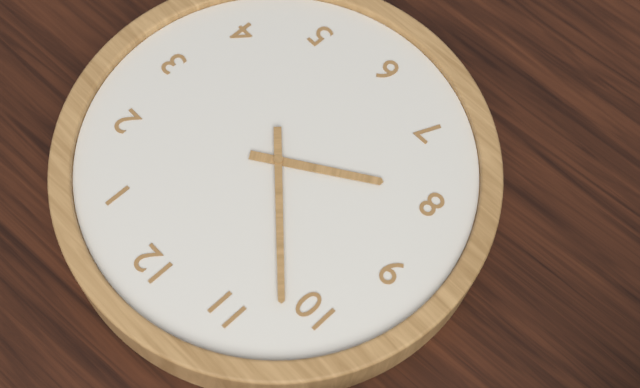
7:52
